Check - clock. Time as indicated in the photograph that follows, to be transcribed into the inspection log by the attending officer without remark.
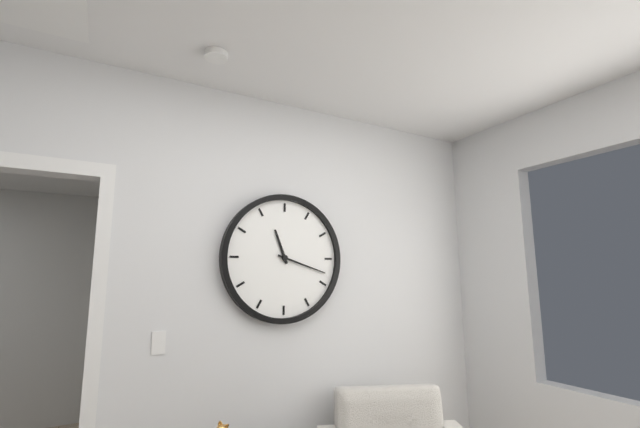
11:18
